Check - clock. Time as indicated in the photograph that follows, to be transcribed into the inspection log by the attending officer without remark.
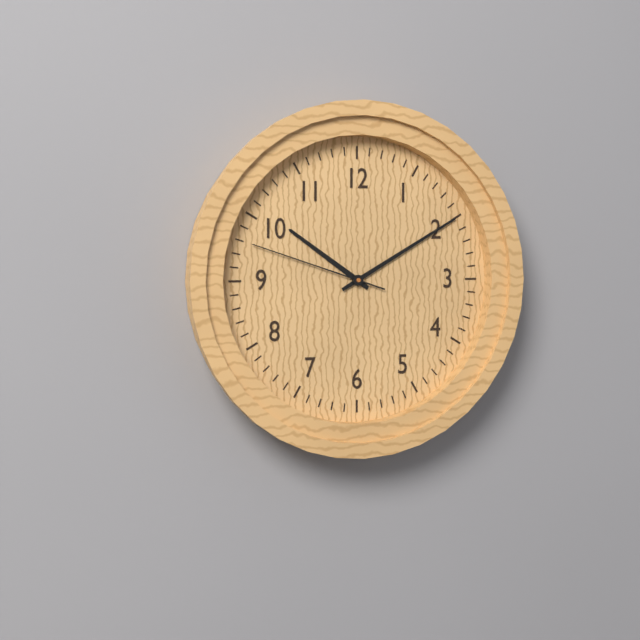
10:10:48
